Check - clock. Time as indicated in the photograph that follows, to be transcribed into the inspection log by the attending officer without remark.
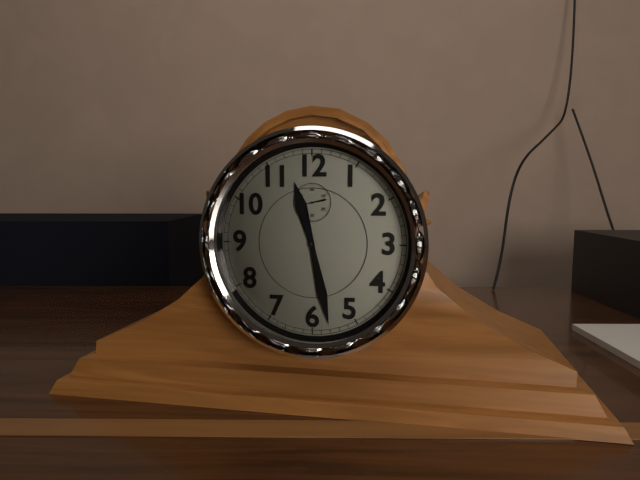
11:28
